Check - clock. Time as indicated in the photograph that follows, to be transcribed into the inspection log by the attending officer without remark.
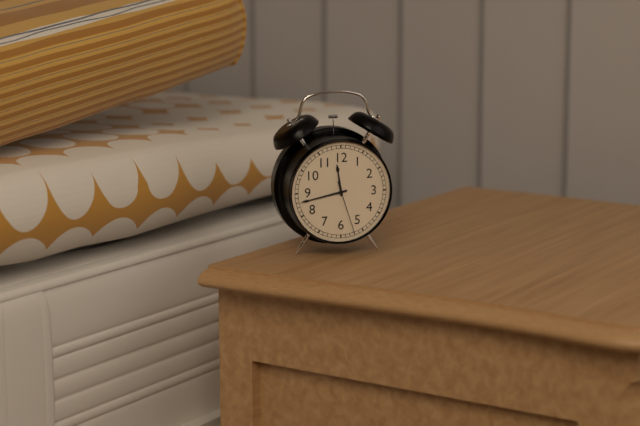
11:43:27
